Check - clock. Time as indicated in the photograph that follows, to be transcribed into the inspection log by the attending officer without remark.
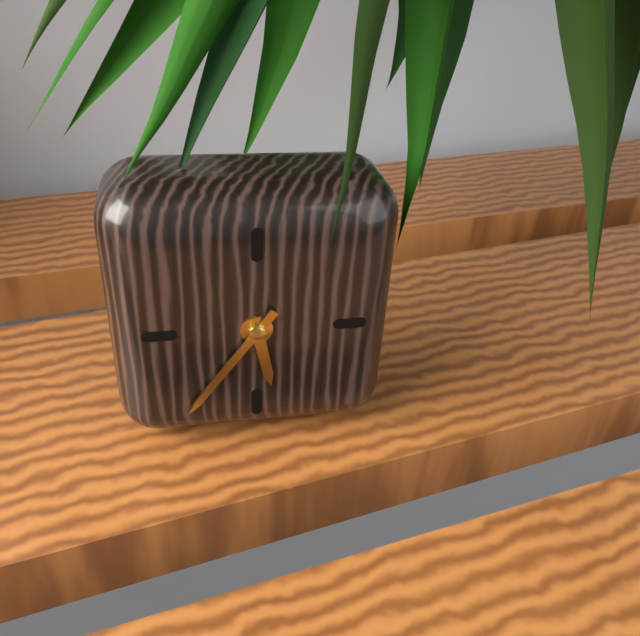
5:36
